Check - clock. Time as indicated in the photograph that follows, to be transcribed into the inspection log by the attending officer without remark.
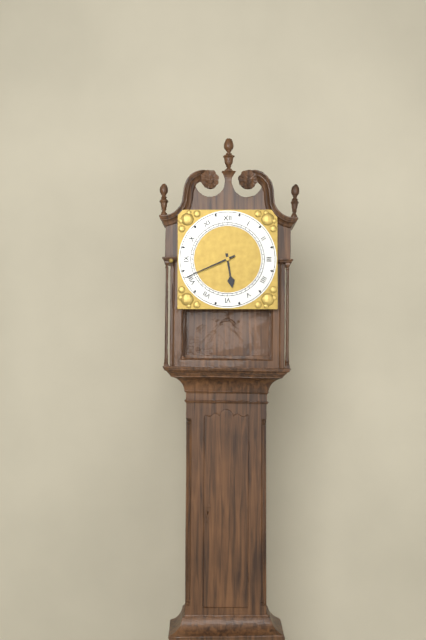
5:41
